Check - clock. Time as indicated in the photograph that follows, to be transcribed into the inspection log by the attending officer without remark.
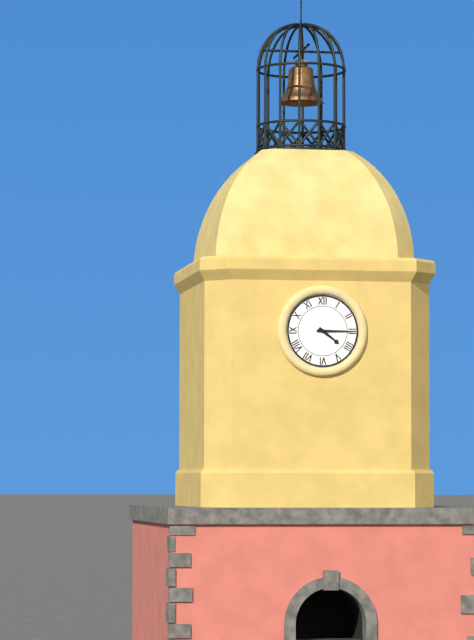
4:15
